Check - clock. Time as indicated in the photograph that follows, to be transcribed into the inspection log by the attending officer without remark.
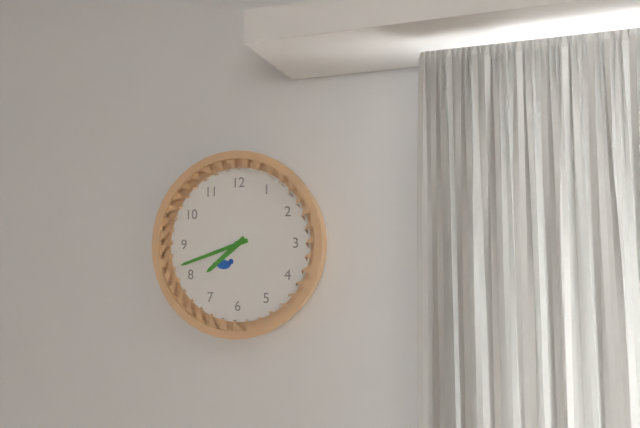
7:42
